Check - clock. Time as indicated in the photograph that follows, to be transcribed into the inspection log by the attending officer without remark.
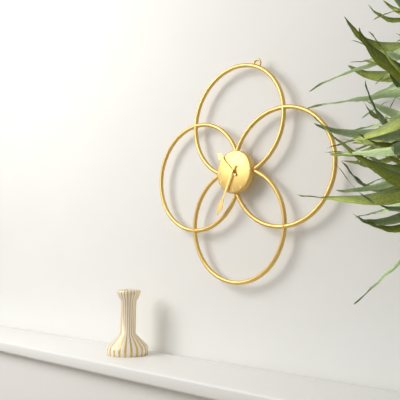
10:34
